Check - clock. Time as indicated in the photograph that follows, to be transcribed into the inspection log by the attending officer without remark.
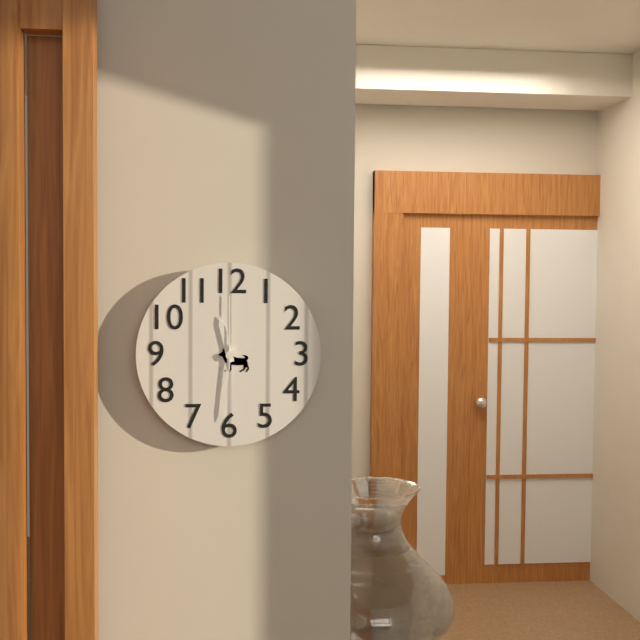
11:31:00
